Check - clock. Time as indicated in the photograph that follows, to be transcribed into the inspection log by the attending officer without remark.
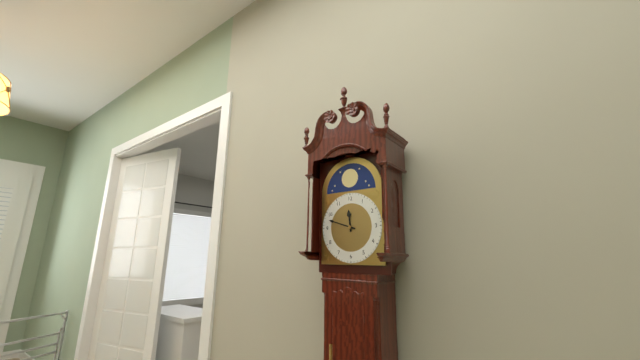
11:48
